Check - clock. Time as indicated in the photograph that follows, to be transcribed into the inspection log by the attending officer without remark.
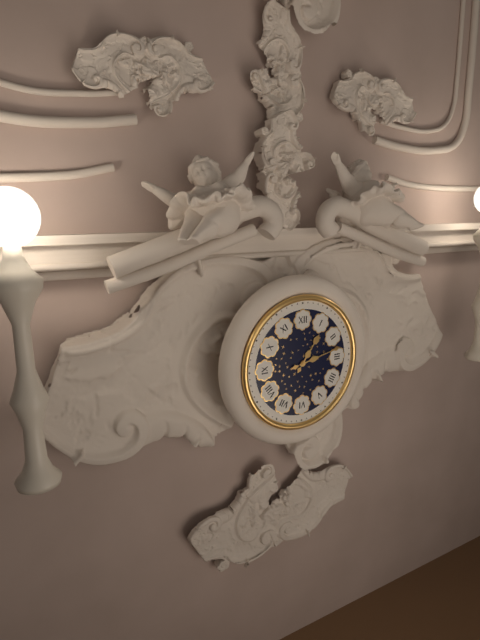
1:13
